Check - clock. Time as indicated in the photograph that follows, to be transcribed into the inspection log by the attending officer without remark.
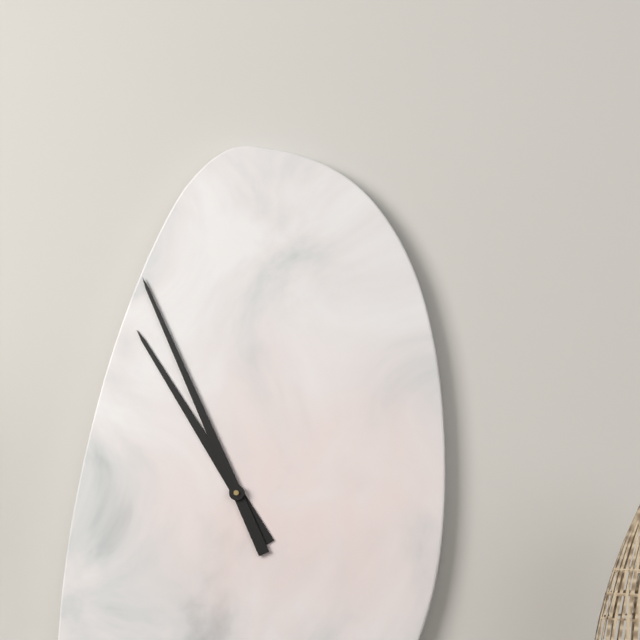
10:56
